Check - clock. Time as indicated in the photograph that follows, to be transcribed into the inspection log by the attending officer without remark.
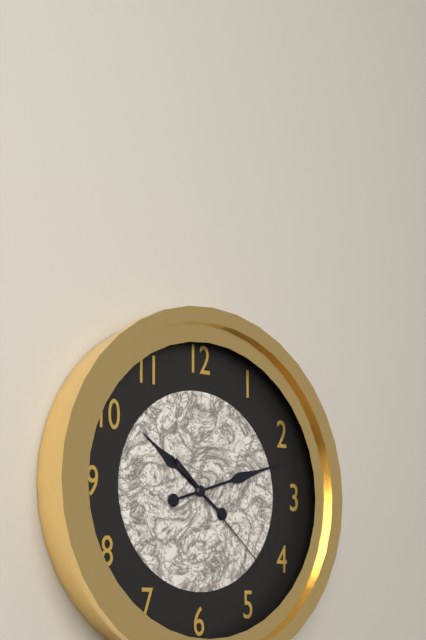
10:12:22
